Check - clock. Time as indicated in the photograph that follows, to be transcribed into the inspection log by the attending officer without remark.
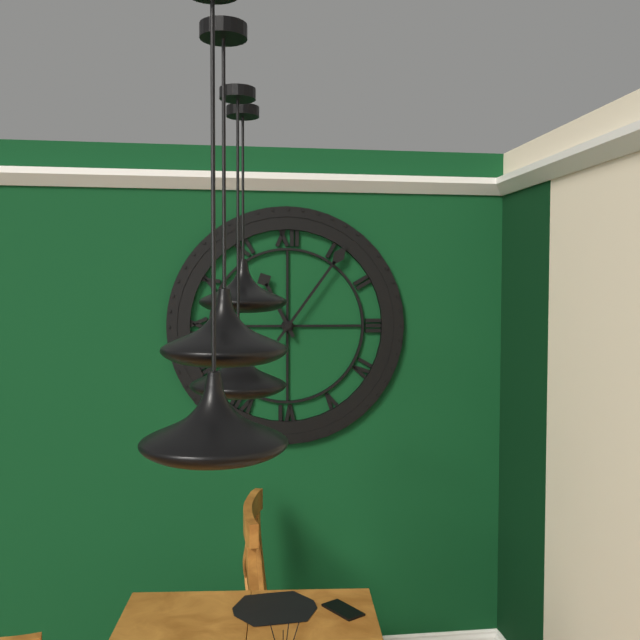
11:06
